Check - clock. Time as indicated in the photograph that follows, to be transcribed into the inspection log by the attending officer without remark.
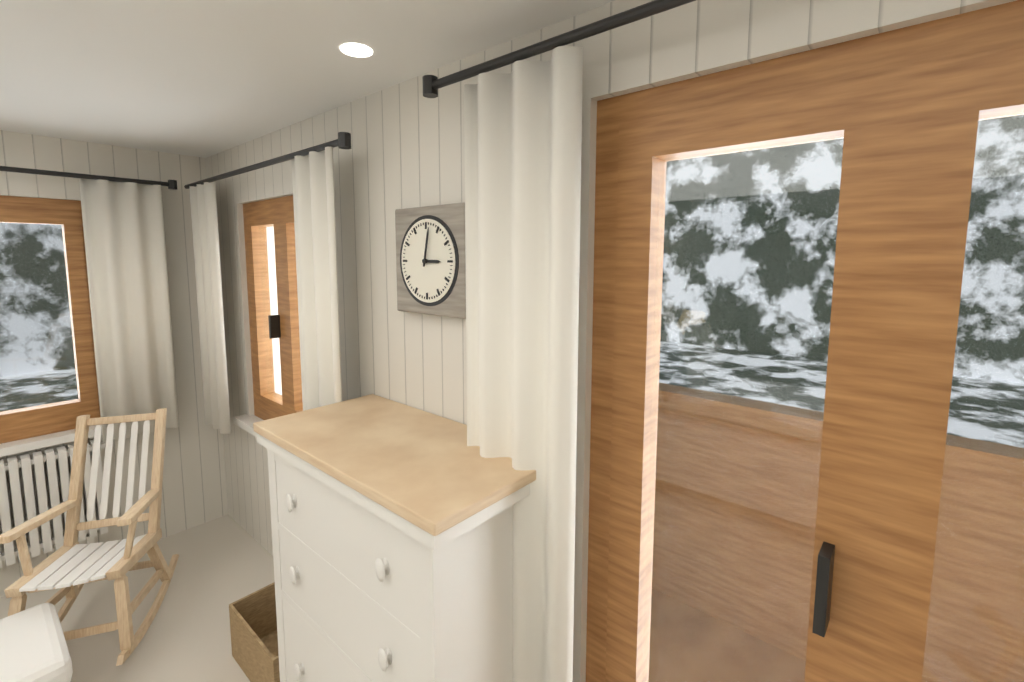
3:02
